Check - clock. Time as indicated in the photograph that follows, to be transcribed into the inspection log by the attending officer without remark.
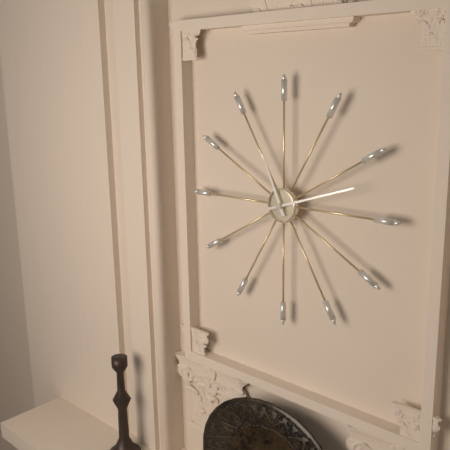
11:12
